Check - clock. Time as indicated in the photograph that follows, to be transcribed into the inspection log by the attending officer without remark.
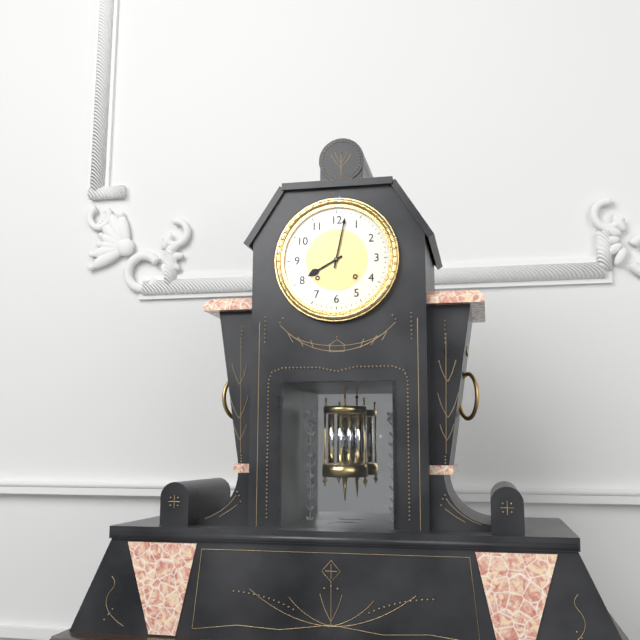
8:02
